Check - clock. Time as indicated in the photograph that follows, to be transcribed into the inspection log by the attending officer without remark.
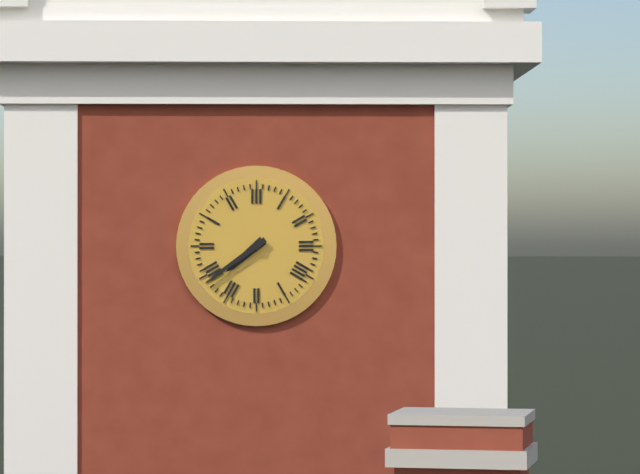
7:39
